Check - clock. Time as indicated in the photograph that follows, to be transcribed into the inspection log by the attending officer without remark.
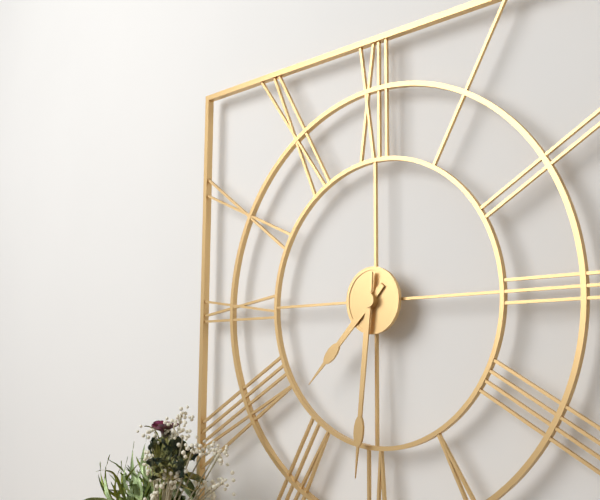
7:31
